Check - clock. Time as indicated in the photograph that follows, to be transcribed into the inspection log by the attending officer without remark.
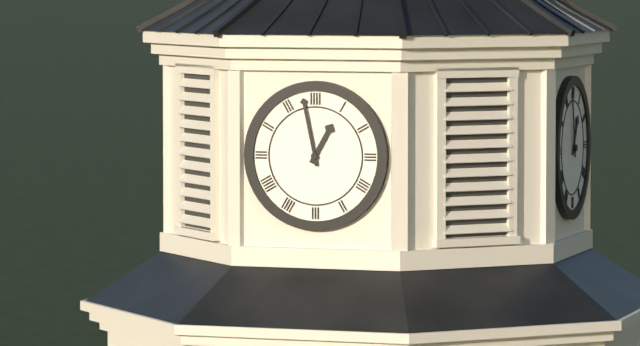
12:58
